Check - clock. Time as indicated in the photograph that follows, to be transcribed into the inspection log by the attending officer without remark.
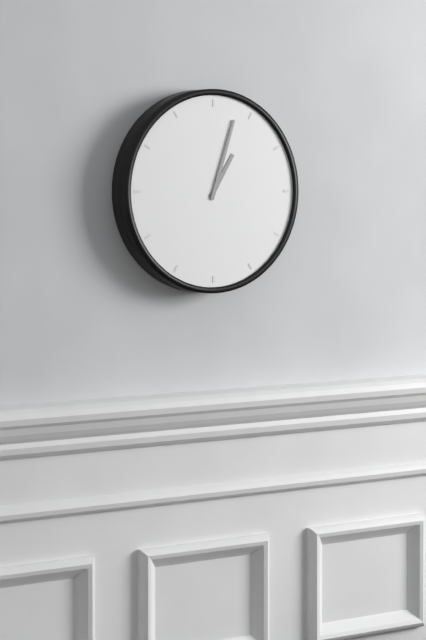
1:03
